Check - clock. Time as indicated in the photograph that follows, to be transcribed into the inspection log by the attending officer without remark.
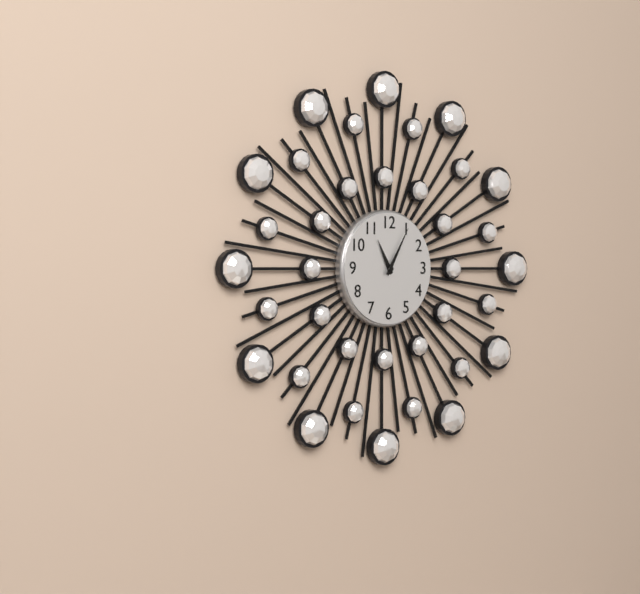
11:05
